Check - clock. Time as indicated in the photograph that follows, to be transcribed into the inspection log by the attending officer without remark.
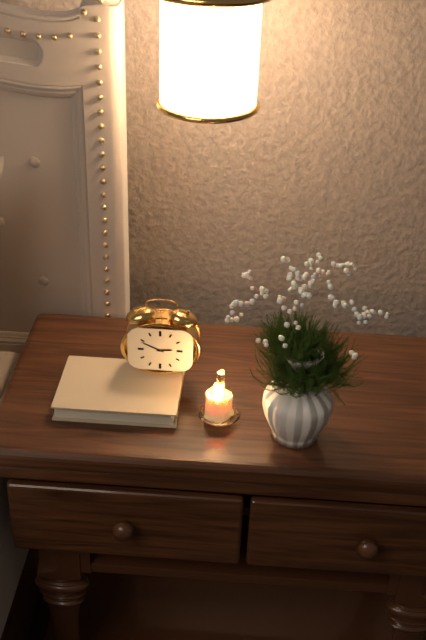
2:49
